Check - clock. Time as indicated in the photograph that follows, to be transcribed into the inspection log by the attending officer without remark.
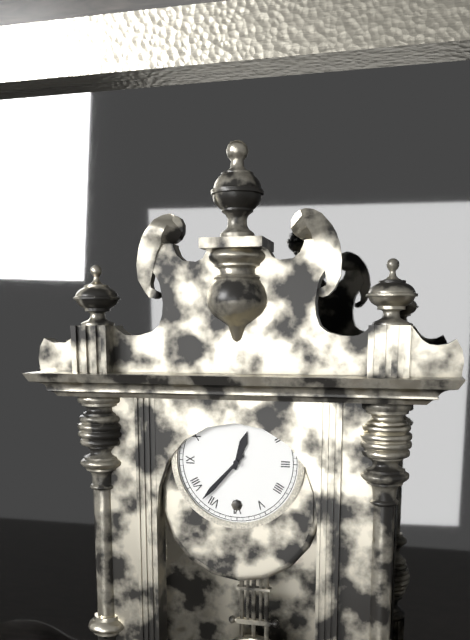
12:37
